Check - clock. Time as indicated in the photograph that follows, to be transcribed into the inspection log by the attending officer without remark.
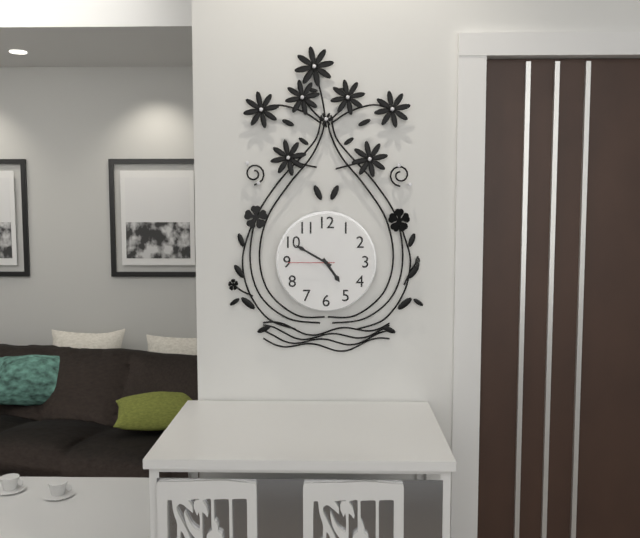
4:50
